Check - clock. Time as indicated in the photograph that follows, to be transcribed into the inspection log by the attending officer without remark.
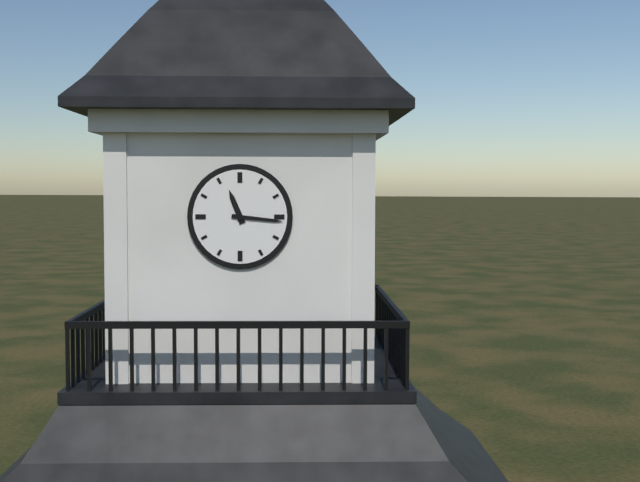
11:16
